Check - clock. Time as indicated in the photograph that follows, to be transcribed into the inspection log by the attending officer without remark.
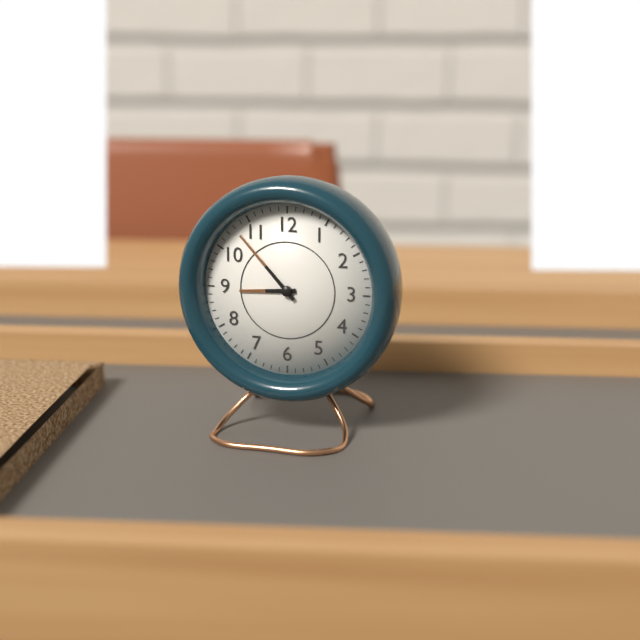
8:53
